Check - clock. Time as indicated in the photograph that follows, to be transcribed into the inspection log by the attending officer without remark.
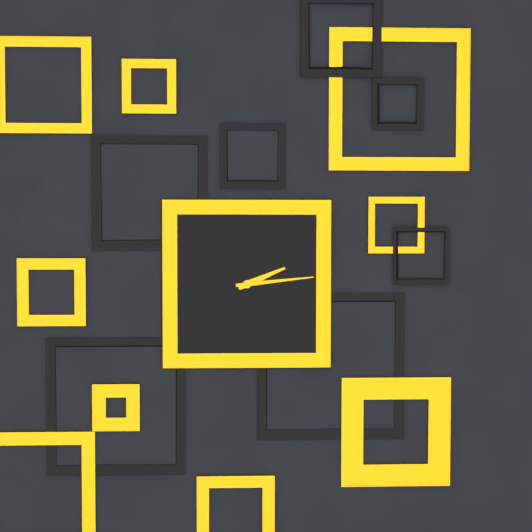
2:14
